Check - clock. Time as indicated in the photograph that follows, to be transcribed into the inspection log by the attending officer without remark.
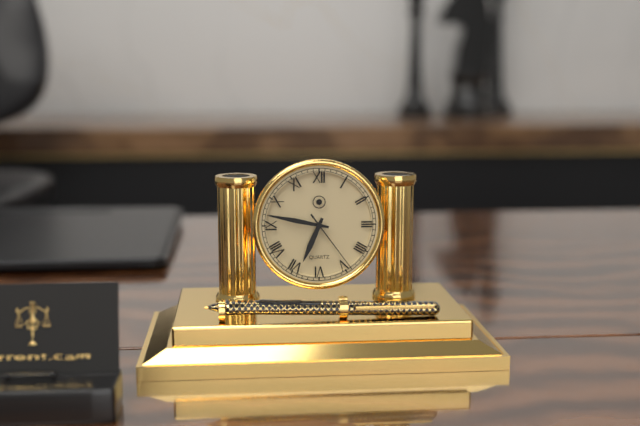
6:47:24
